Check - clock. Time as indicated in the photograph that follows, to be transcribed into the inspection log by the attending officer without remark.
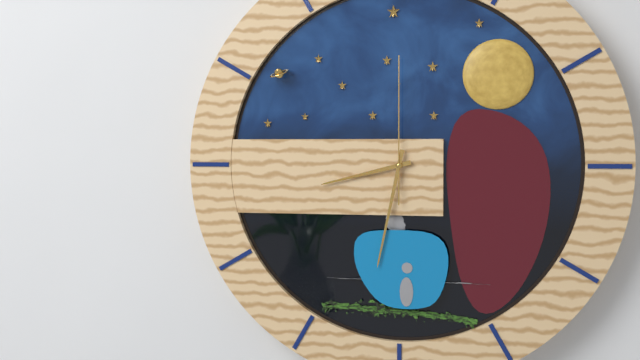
8:32:00
